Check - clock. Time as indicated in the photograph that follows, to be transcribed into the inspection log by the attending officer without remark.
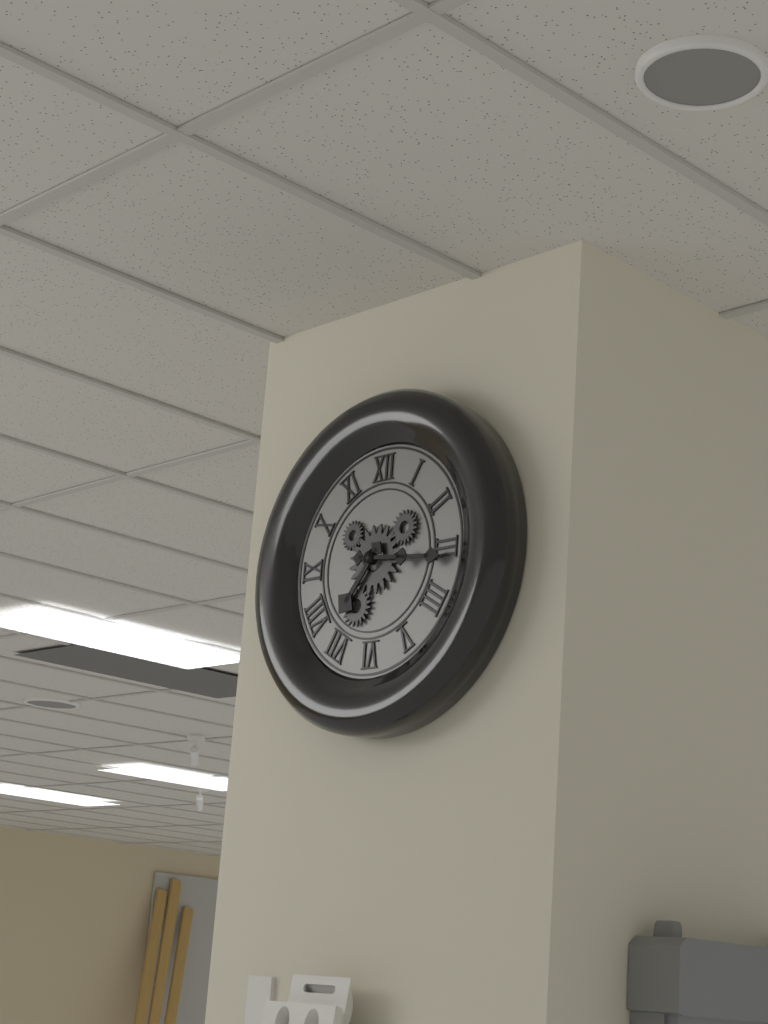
7:16
